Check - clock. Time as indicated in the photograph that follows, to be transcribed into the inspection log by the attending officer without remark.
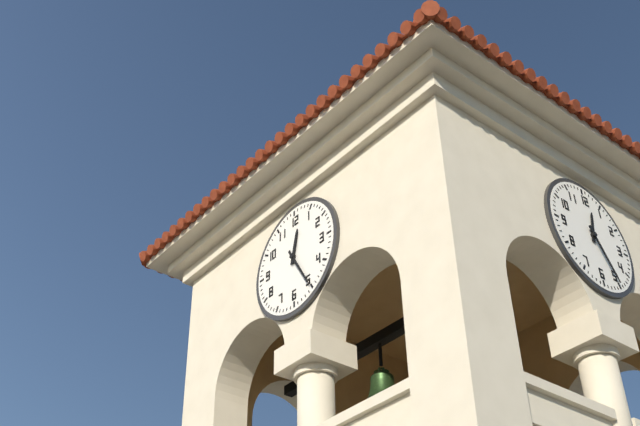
12:25
